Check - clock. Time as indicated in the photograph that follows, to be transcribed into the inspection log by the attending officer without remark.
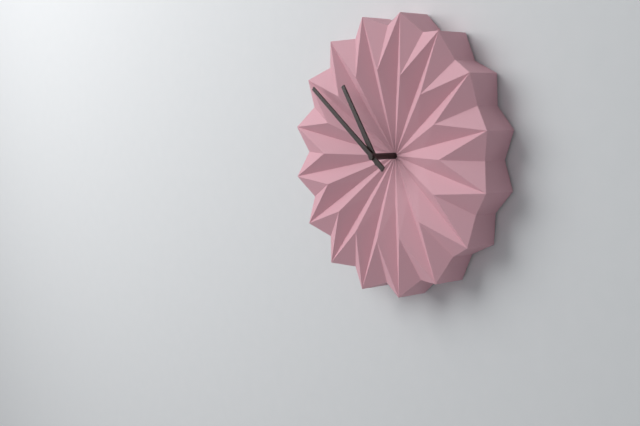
10:51
